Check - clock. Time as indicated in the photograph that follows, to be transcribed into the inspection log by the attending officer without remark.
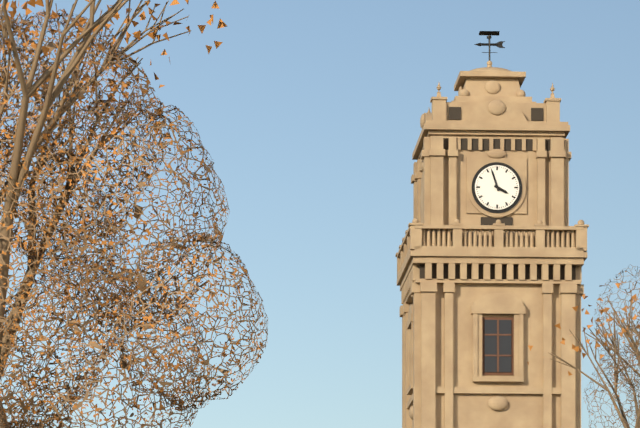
3:57
